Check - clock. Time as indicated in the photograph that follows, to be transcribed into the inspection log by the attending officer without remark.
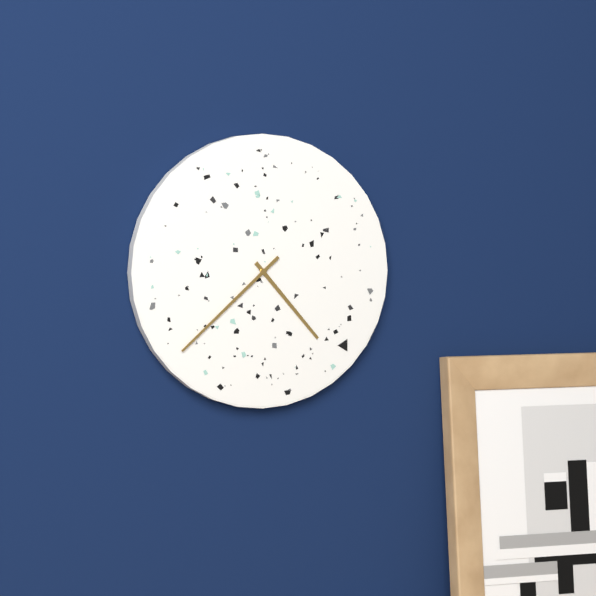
4:38
